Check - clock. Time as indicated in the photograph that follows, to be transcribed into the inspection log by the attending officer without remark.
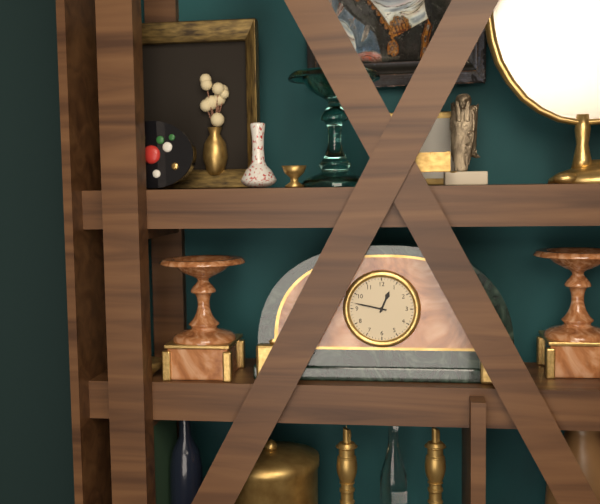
12:47
